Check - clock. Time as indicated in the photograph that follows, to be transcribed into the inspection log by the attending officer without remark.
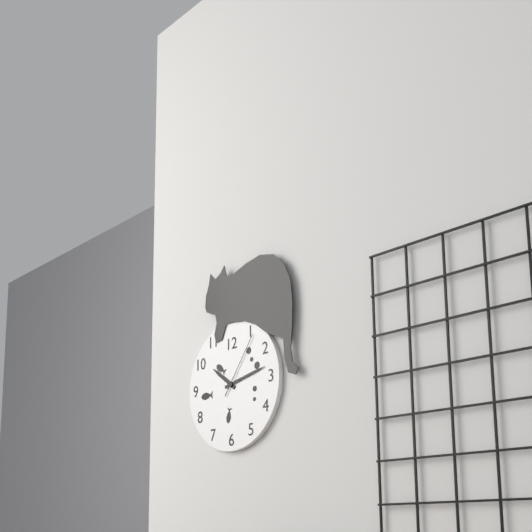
10:13:06
